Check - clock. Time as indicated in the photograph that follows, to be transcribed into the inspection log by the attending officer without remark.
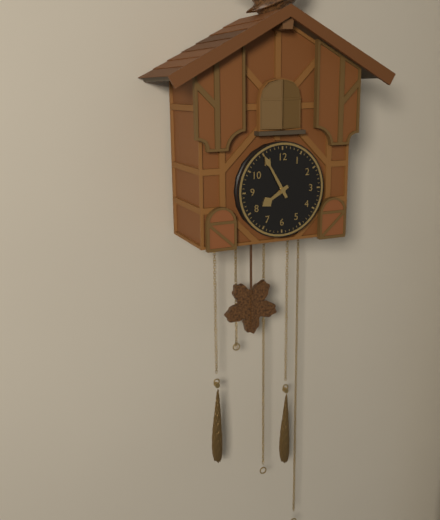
7:55
